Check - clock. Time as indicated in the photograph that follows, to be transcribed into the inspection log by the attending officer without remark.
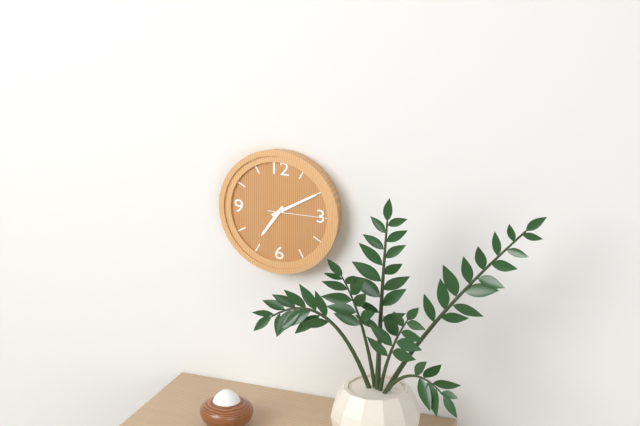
7:10:15
